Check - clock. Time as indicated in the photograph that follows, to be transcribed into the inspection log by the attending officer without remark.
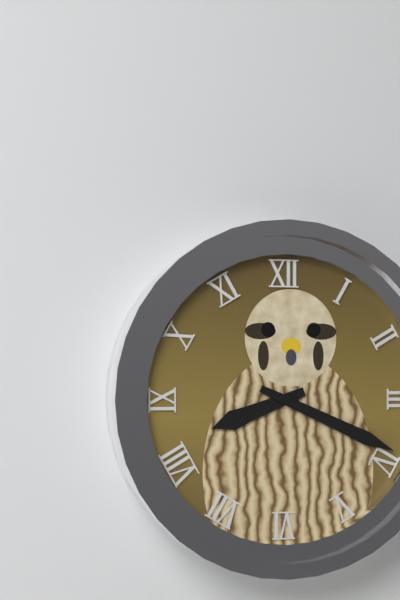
8:19
